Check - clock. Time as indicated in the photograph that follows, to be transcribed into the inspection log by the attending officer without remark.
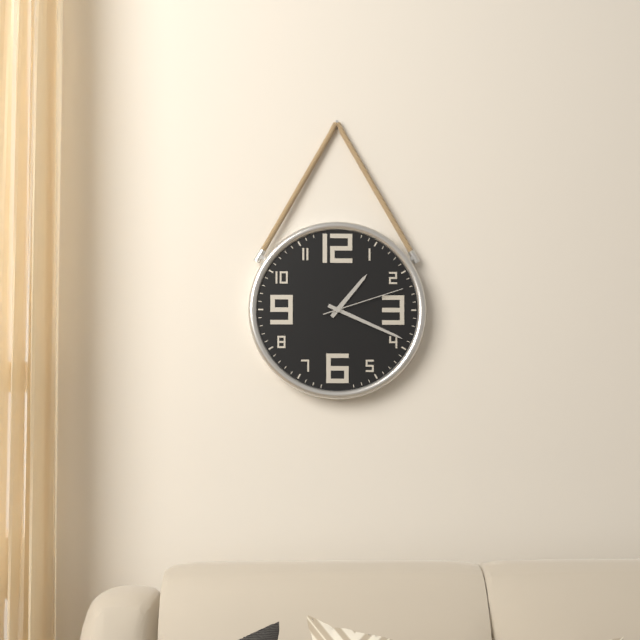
1:19:12
